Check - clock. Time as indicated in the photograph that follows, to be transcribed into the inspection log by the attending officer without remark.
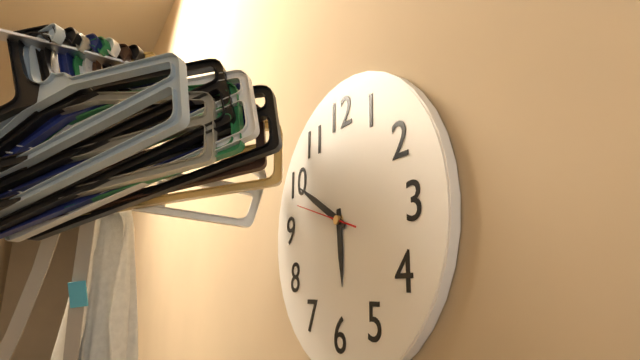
5:50:48
